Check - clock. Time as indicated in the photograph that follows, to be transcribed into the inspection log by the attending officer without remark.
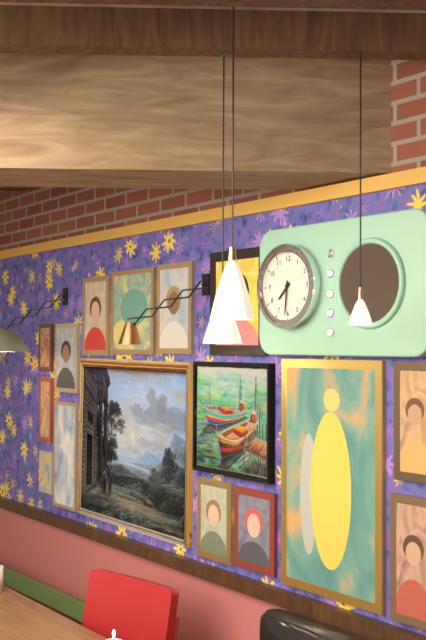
7:31
